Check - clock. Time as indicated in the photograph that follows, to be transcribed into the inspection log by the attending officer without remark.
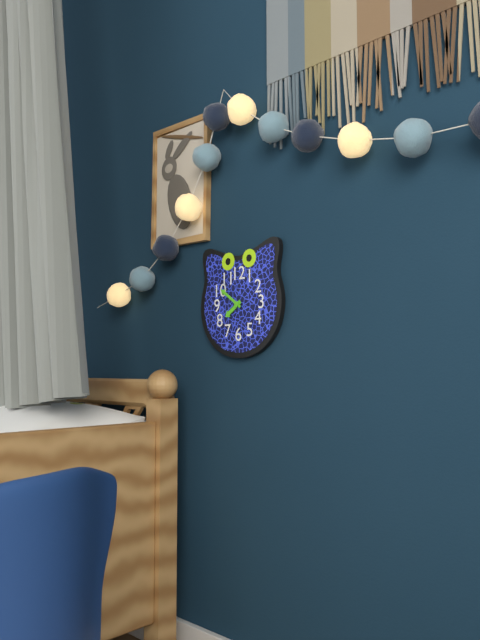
7:51
